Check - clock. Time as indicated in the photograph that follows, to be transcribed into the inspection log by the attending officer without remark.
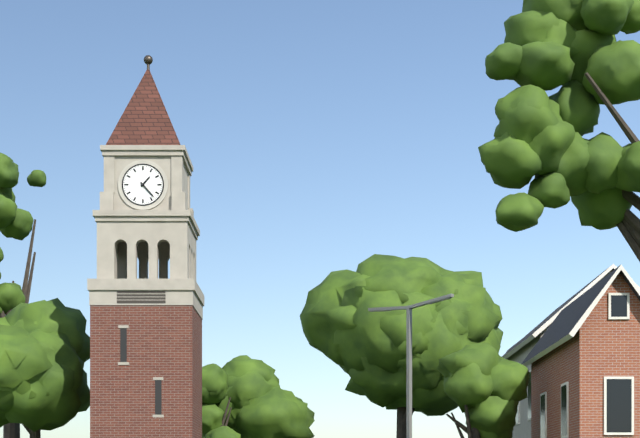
1:23
